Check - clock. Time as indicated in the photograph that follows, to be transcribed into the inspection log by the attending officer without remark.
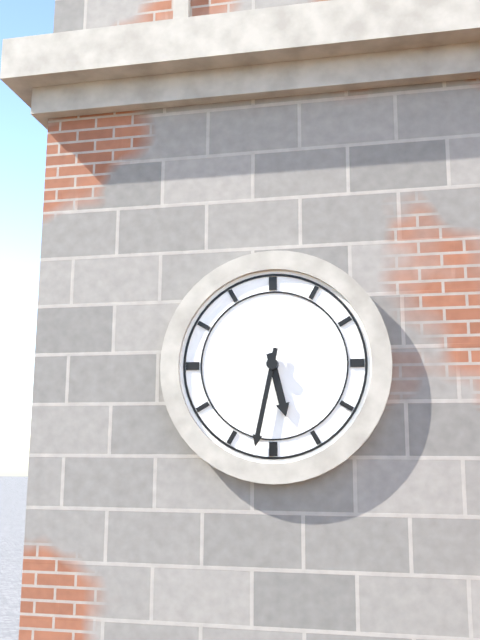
5:32
